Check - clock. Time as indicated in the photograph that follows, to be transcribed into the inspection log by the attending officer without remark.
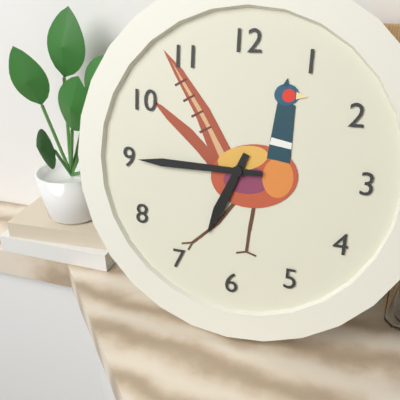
6:45
